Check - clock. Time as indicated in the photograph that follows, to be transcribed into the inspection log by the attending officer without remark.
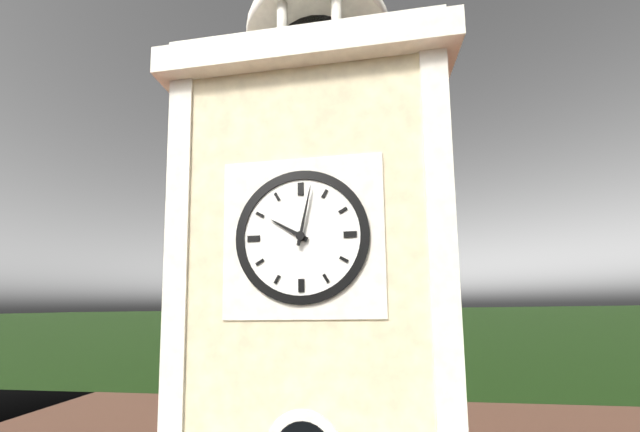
10:02
